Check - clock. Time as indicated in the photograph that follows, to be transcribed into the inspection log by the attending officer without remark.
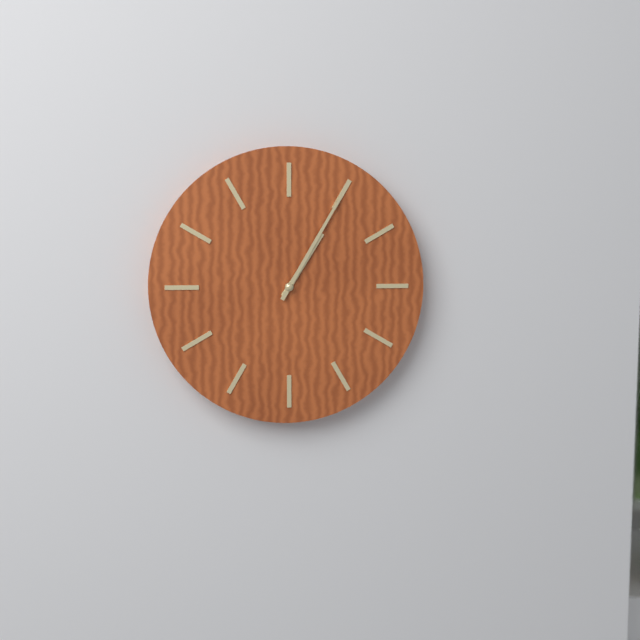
1:05
